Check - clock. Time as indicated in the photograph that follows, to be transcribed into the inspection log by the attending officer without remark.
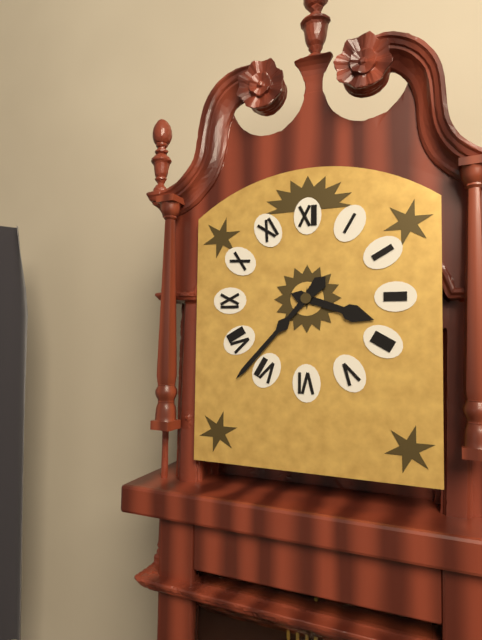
3:37
